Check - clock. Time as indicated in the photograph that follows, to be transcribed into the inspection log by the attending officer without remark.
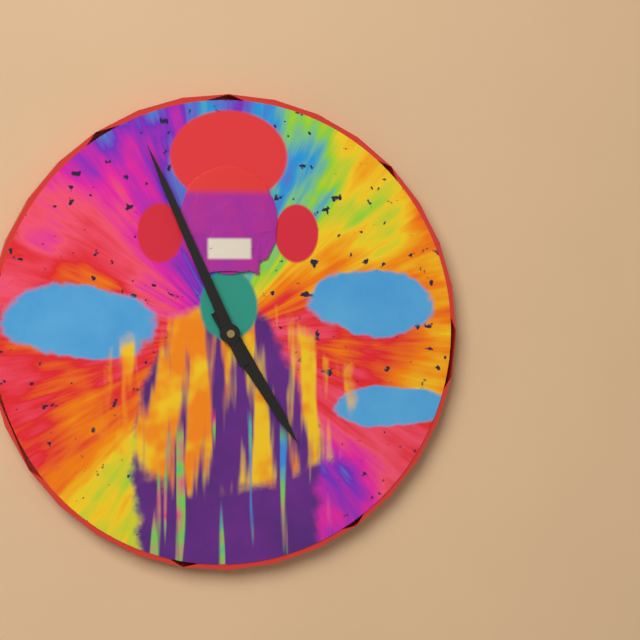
4:56
